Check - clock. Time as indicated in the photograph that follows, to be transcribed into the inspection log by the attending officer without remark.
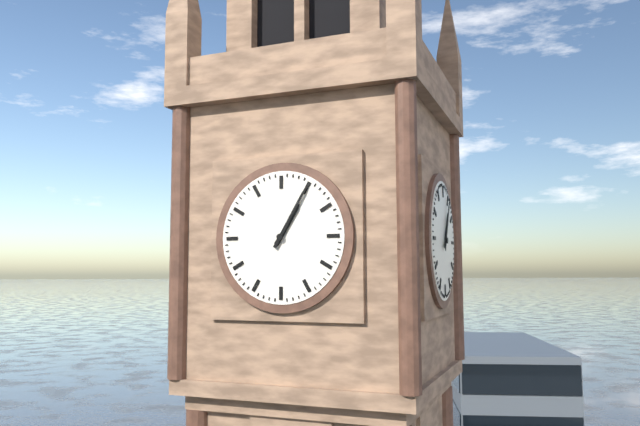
1:05
